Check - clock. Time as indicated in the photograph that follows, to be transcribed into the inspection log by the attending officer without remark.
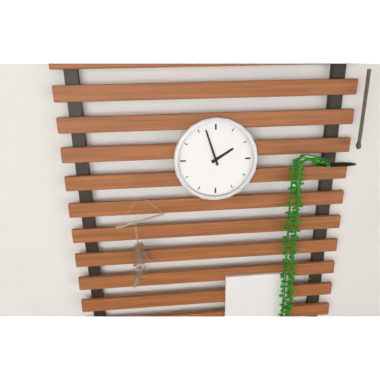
1:57
